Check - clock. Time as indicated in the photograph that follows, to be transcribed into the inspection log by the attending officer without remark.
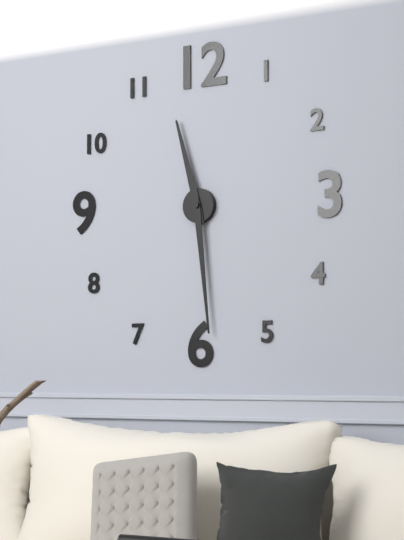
11:29
